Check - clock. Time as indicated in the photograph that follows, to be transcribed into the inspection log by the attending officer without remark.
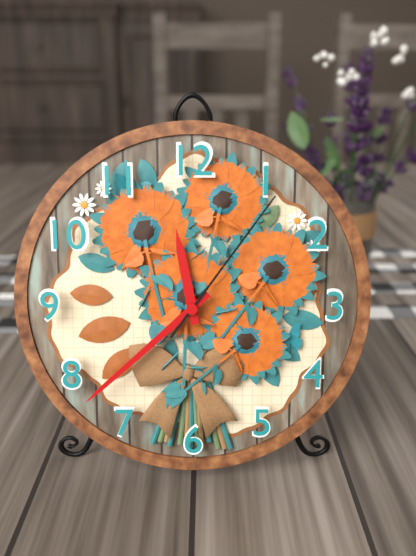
11:38:06
